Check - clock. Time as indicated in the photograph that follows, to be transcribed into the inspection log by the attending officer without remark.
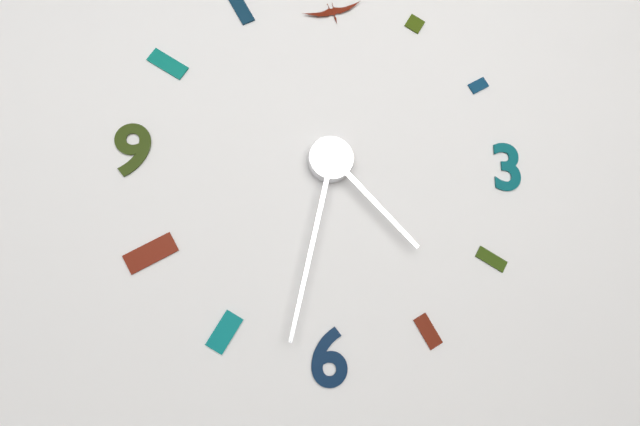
4:32
